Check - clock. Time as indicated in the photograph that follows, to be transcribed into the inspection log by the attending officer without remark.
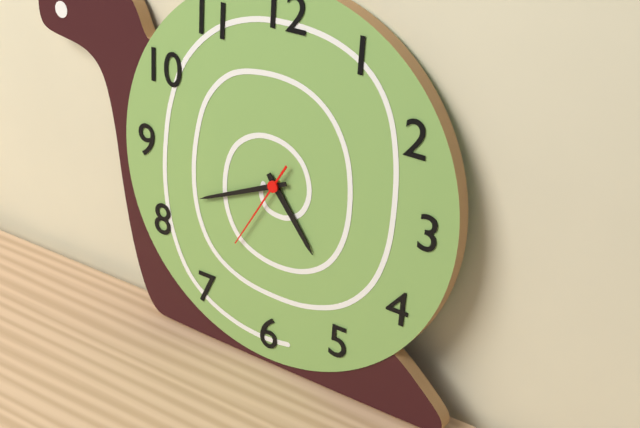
4:41:35
